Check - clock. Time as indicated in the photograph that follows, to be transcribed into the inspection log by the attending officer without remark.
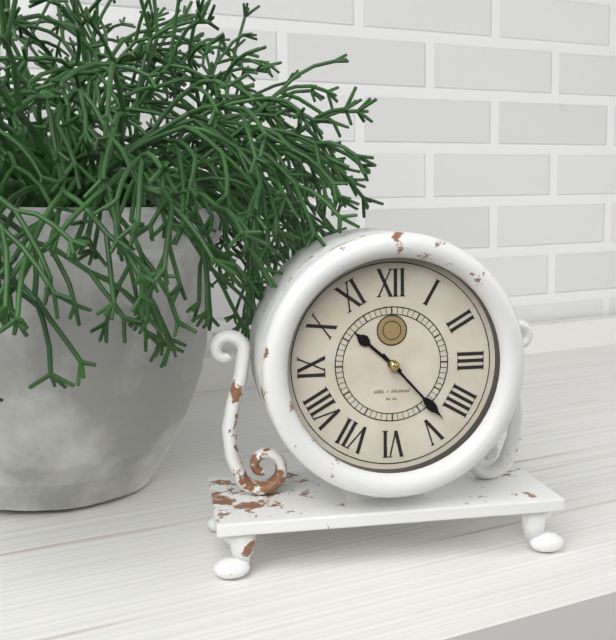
10:23
